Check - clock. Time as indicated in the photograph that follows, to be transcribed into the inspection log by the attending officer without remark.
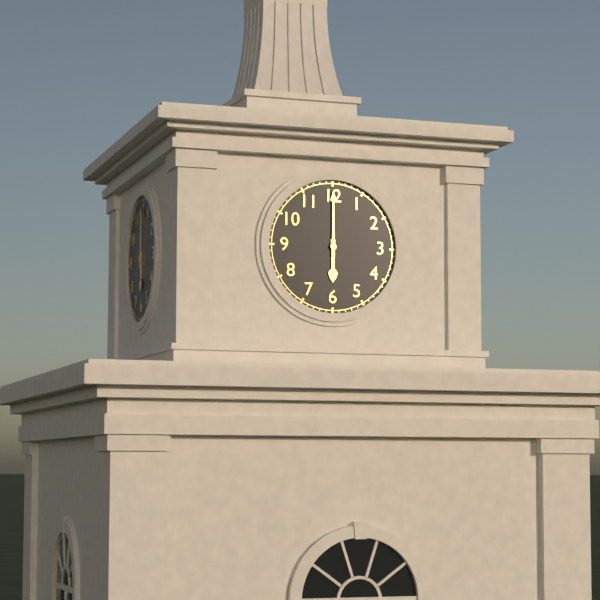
6:00
